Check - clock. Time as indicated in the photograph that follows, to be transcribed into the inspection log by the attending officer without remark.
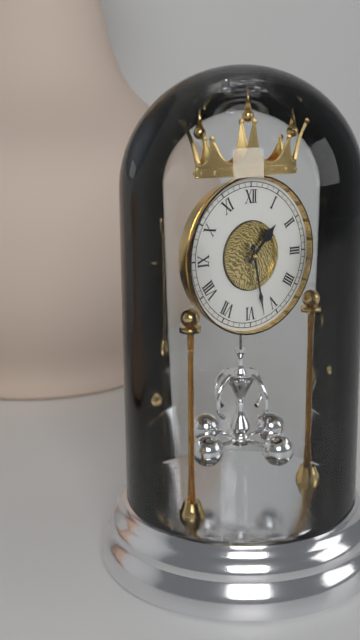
1:28
